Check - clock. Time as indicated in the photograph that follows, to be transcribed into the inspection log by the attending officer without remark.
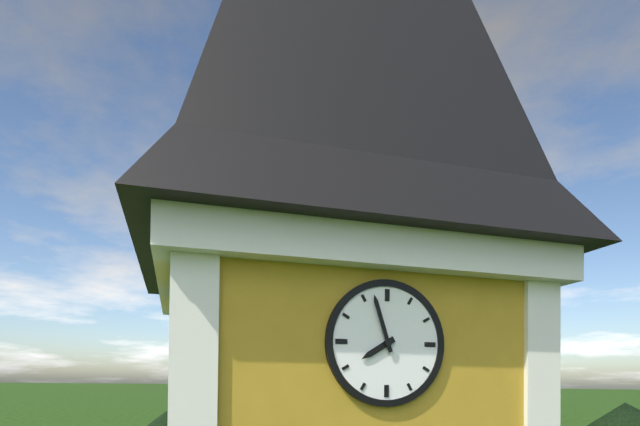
7:57
